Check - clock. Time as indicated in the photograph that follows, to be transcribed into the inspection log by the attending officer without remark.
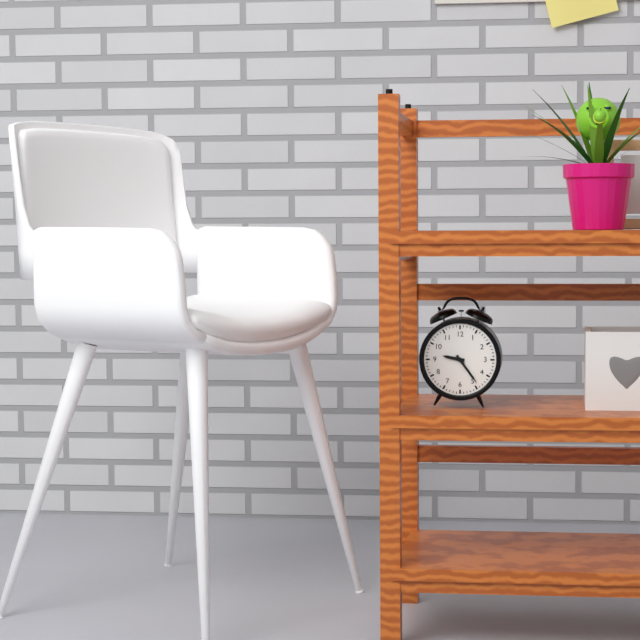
9:24
